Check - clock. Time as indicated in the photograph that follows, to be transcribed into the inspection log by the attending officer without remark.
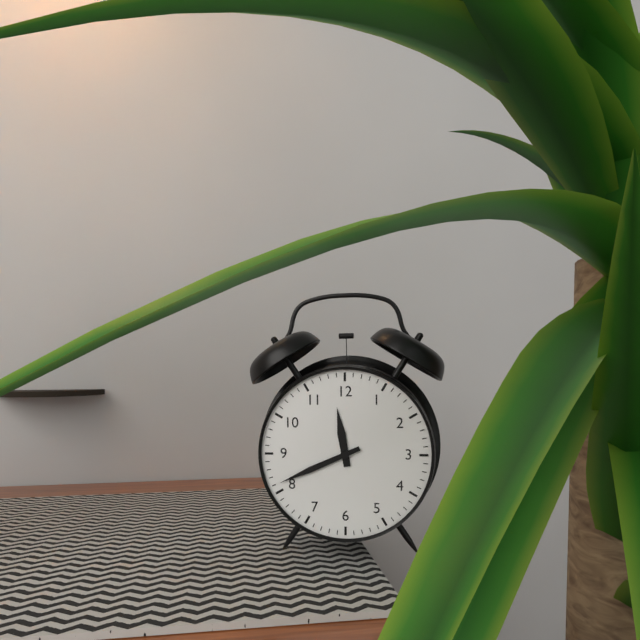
11:41
